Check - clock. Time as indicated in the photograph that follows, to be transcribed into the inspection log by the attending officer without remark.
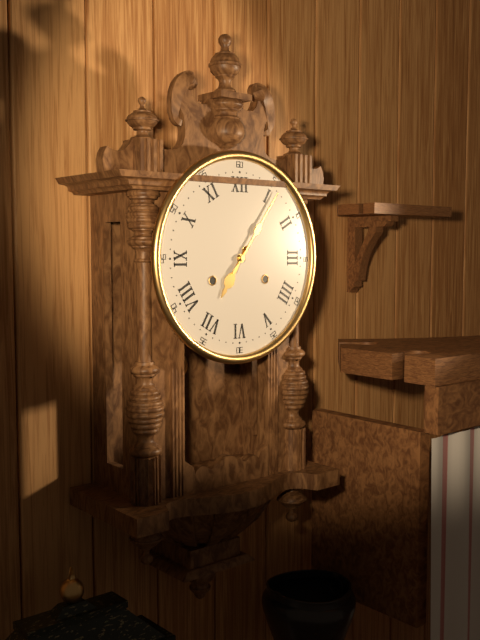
7:06
